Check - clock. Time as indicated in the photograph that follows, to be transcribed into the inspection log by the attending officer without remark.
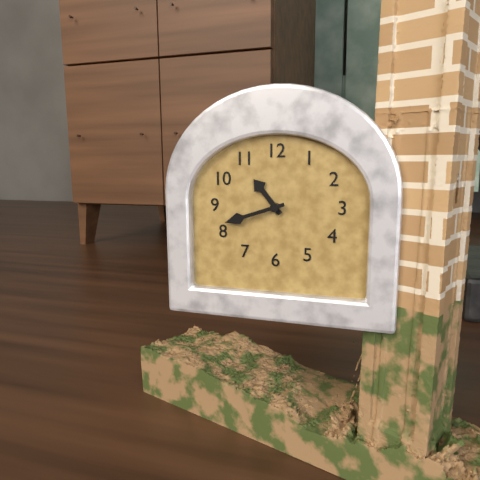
10:42
